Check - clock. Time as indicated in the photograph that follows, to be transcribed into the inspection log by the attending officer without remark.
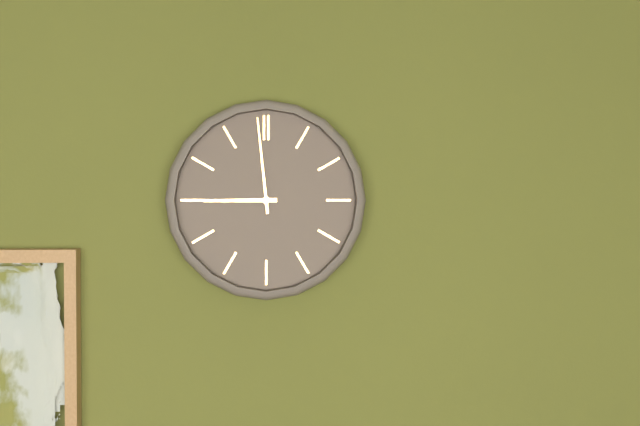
8:59
